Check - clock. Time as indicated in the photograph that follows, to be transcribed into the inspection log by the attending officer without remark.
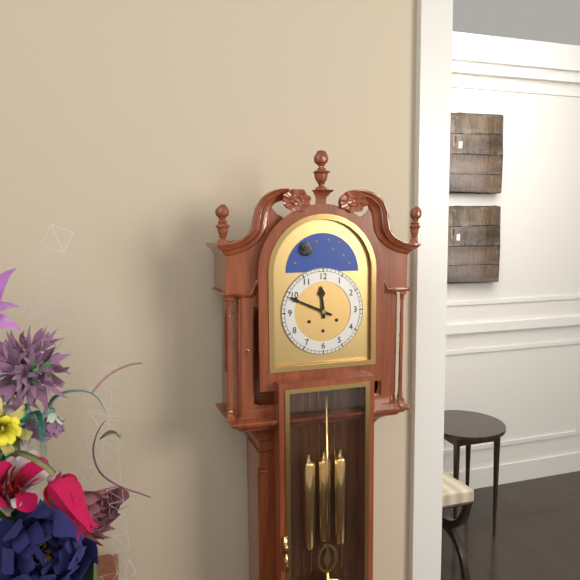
11:49
